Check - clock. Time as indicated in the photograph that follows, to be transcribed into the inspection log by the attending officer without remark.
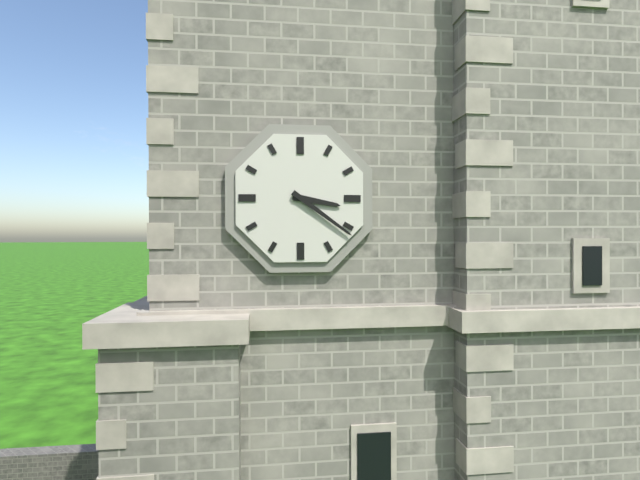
3:21
